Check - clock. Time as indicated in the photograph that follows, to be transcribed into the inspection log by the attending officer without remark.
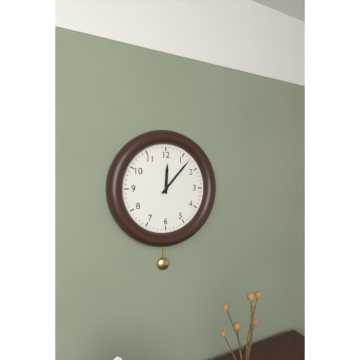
12:07
